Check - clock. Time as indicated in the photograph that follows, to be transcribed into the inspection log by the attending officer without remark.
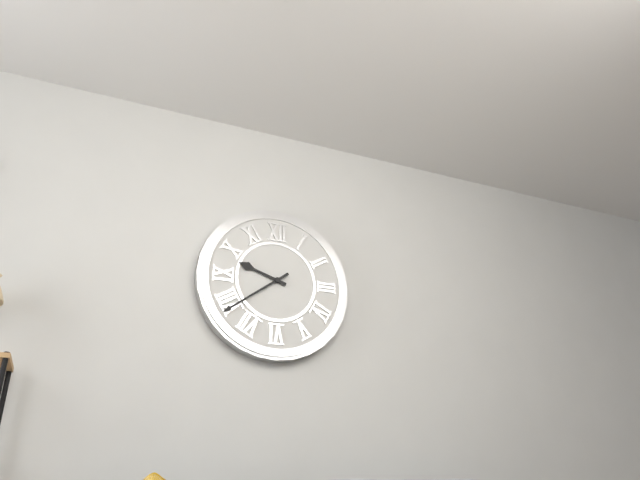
9:39
